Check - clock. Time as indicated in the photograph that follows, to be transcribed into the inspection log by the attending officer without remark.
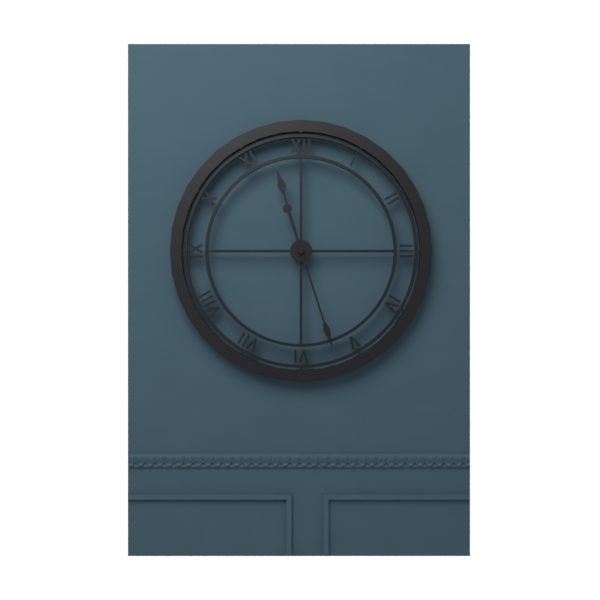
11:27
